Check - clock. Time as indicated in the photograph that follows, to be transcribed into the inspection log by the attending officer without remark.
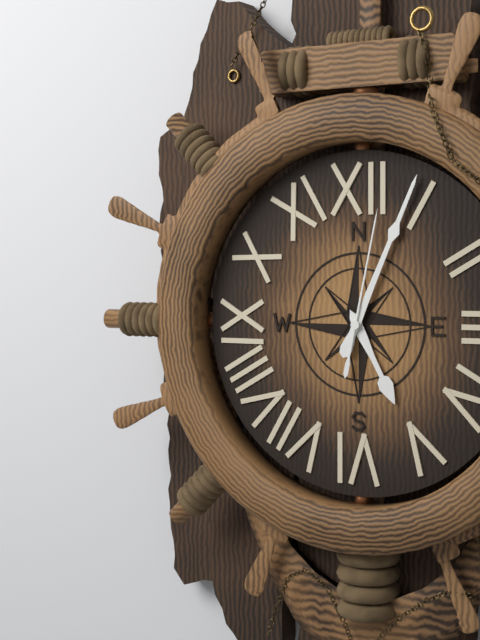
5:04:02
